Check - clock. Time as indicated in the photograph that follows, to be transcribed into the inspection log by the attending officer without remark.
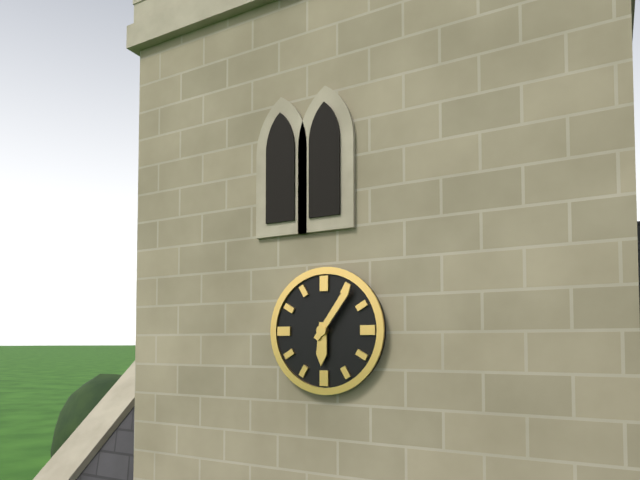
6:06
